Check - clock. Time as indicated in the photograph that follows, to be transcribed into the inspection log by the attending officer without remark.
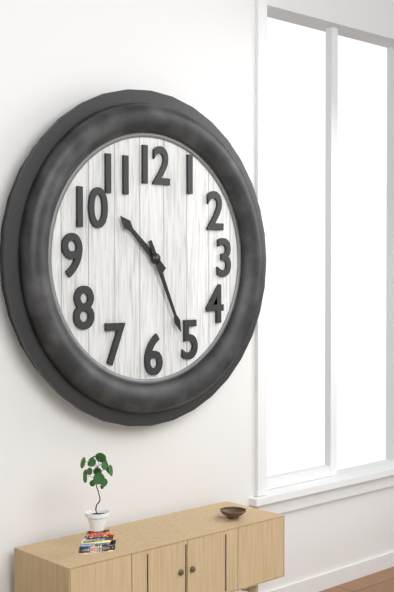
10:26
